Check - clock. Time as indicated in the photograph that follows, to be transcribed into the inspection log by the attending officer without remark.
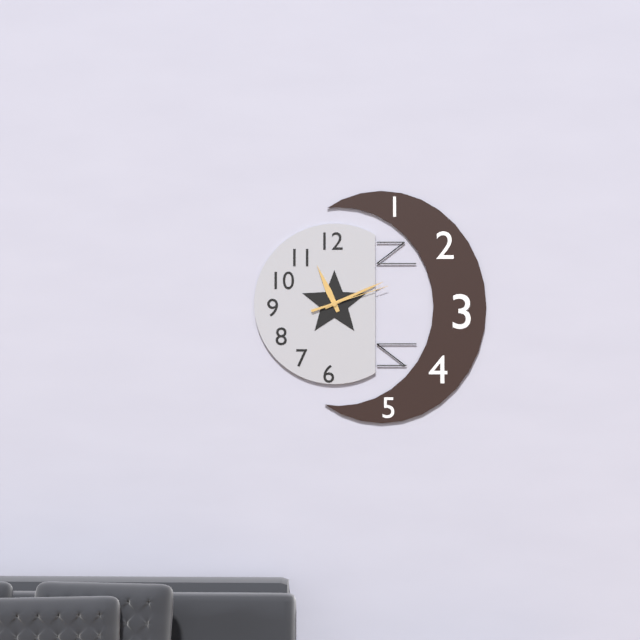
11:11:12
